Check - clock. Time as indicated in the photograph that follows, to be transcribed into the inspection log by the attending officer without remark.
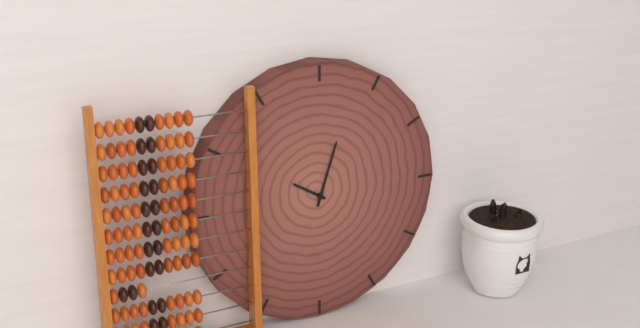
10:03
